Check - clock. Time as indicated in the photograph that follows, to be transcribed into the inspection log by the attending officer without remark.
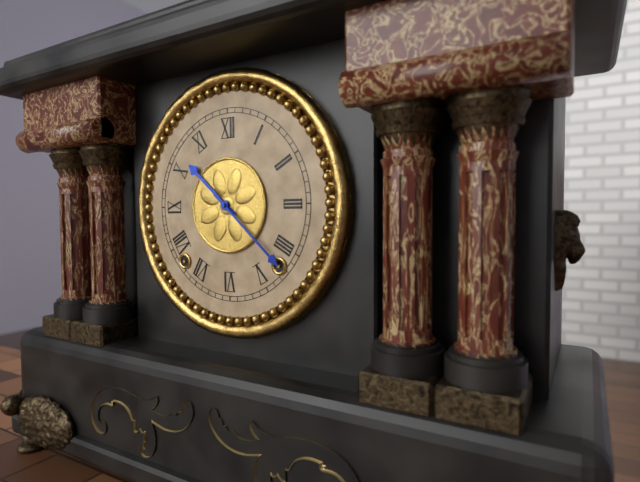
10:22
